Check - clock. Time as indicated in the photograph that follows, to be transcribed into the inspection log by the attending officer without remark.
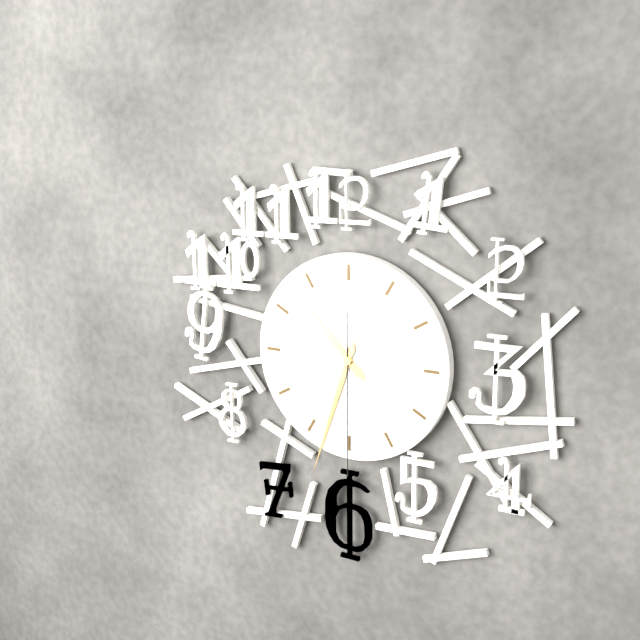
10:33:30
